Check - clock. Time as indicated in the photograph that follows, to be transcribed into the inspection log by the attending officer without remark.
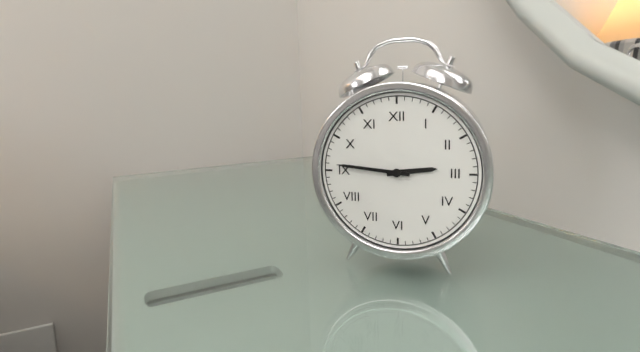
2:46
